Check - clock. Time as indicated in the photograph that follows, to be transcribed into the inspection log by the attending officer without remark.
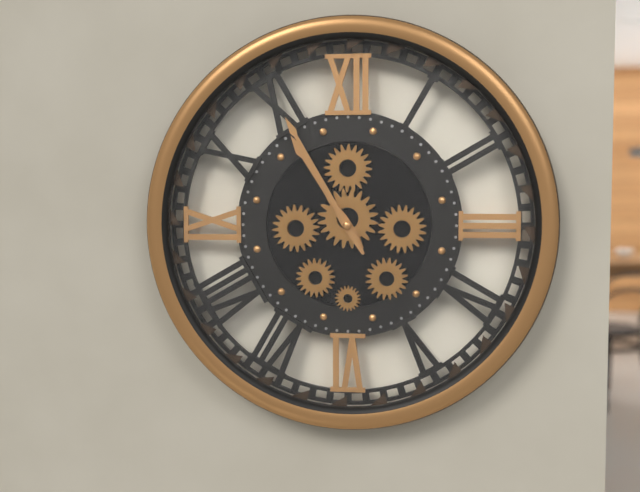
10:55
